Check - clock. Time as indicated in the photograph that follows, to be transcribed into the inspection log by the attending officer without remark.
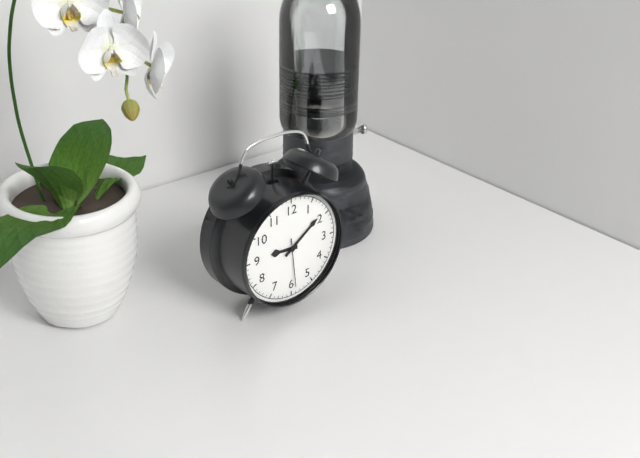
9:09
